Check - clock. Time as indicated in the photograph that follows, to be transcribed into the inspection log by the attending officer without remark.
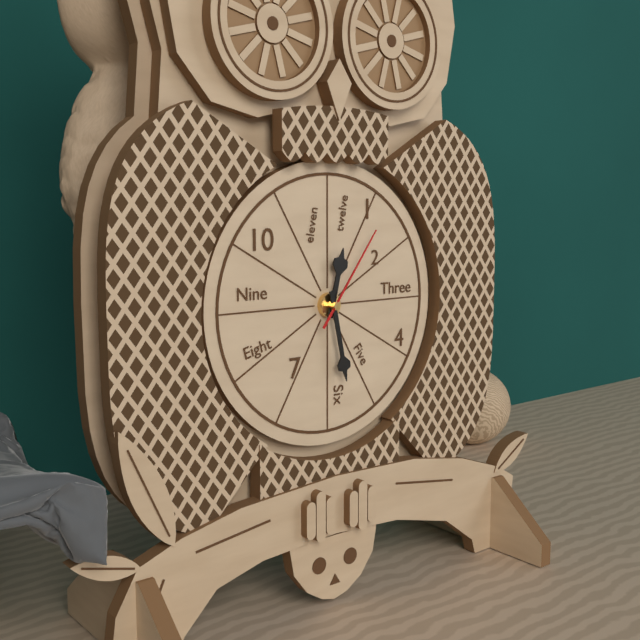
12:28:06
